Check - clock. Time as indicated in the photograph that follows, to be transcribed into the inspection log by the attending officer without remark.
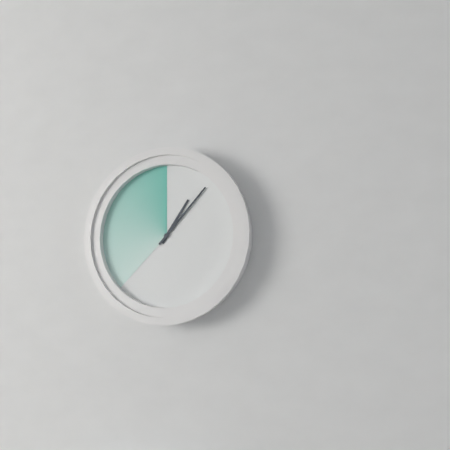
1:07
